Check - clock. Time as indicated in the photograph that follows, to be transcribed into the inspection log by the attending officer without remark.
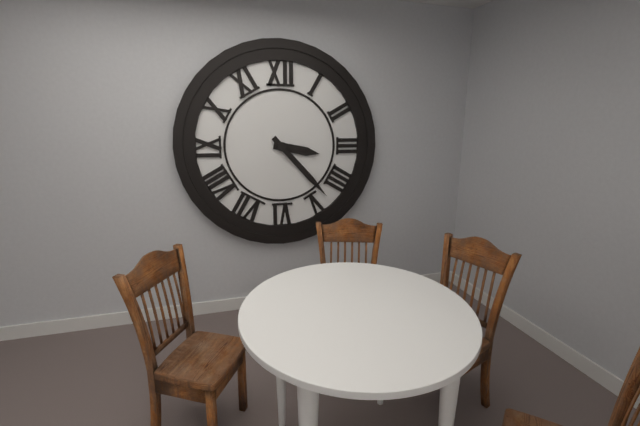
3:23
